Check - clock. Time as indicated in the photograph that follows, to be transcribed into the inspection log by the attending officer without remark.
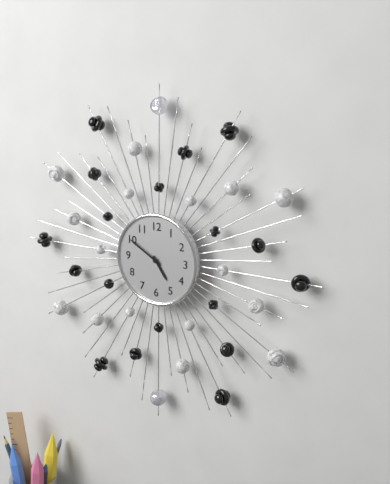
4:50
